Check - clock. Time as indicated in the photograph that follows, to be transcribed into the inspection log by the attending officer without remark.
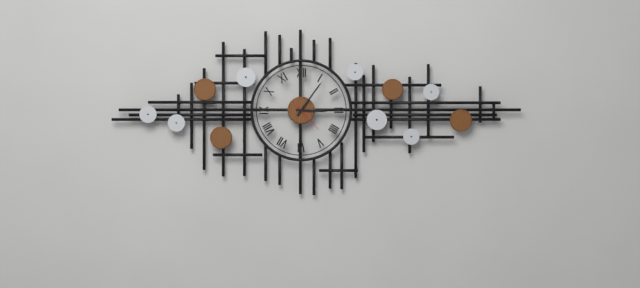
3:06
